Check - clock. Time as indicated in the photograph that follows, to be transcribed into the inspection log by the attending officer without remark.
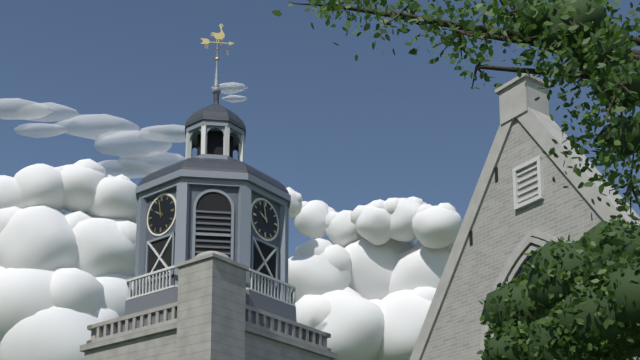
9:58
